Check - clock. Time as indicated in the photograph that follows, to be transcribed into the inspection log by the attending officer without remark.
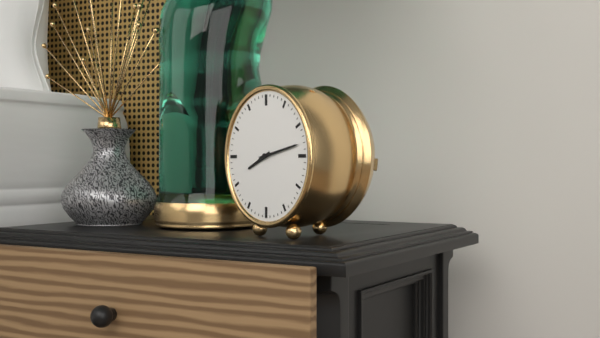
8:13
